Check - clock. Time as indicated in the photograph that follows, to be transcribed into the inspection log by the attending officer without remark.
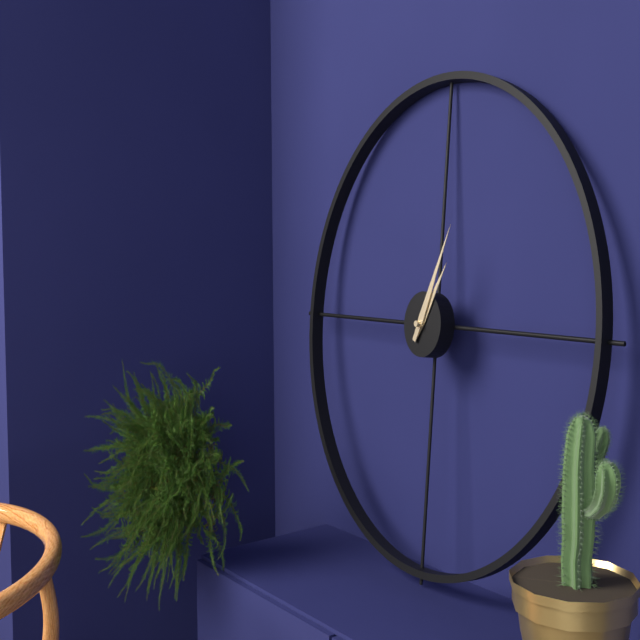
1:04
